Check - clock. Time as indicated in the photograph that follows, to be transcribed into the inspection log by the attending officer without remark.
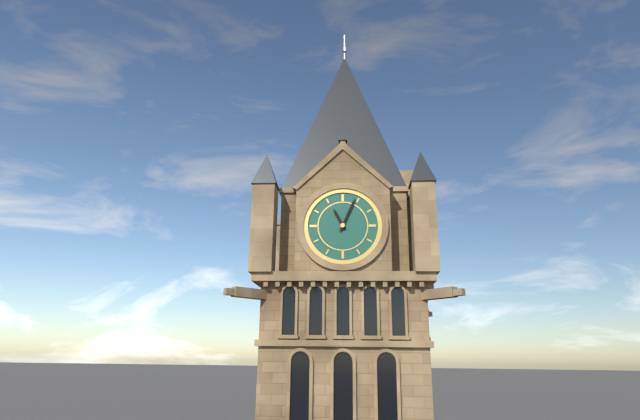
11:04
